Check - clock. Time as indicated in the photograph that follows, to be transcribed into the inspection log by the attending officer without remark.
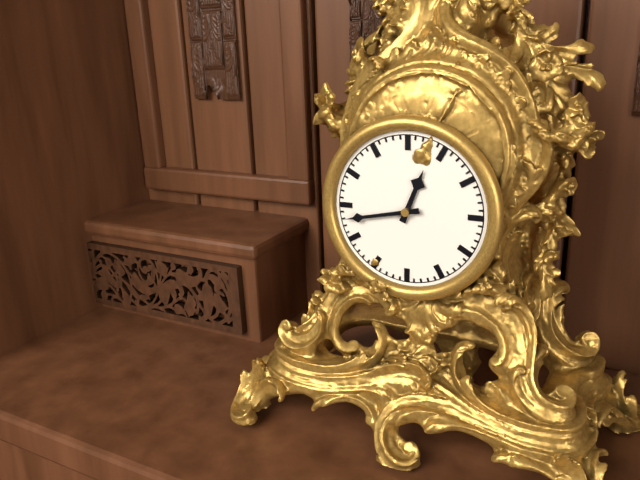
12:43
